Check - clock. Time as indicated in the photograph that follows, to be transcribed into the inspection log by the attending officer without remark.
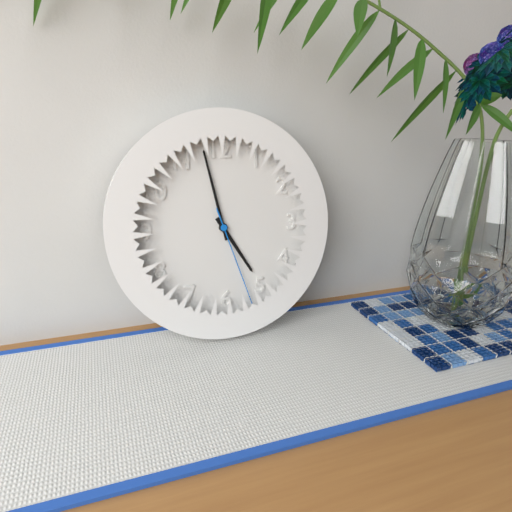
4:58:27
